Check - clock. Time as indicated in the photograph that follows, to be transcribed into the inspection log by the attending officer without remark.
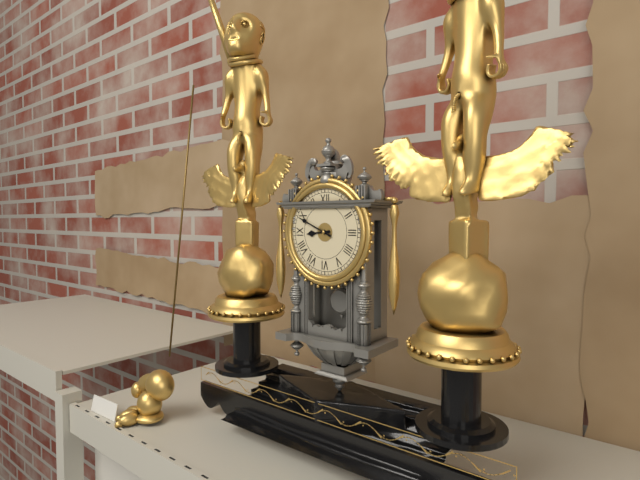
8:49
